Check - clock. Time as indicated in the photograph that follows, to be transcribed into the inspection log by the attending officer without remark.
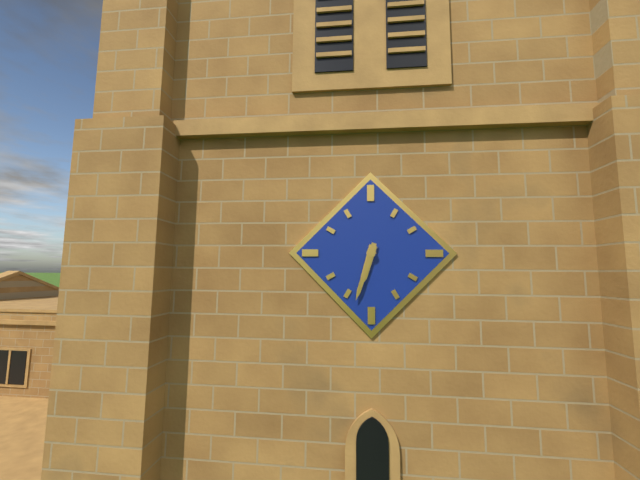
6:33
